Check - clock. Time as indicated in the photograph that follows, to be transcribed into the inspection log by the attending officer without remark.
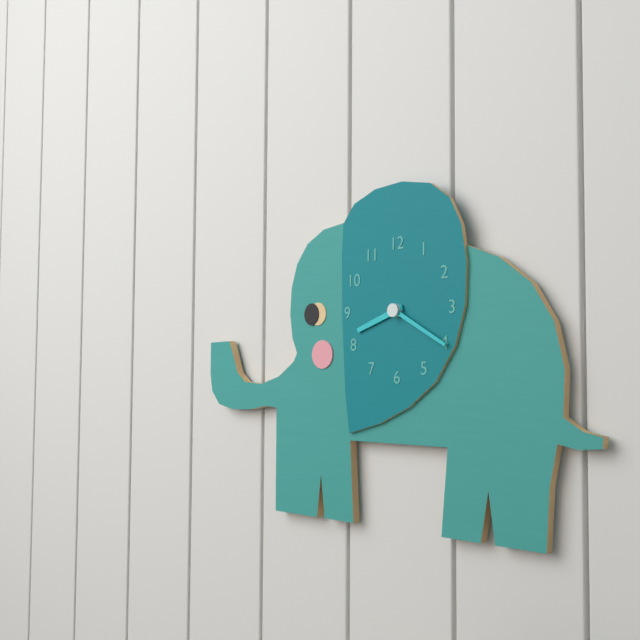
8:20
